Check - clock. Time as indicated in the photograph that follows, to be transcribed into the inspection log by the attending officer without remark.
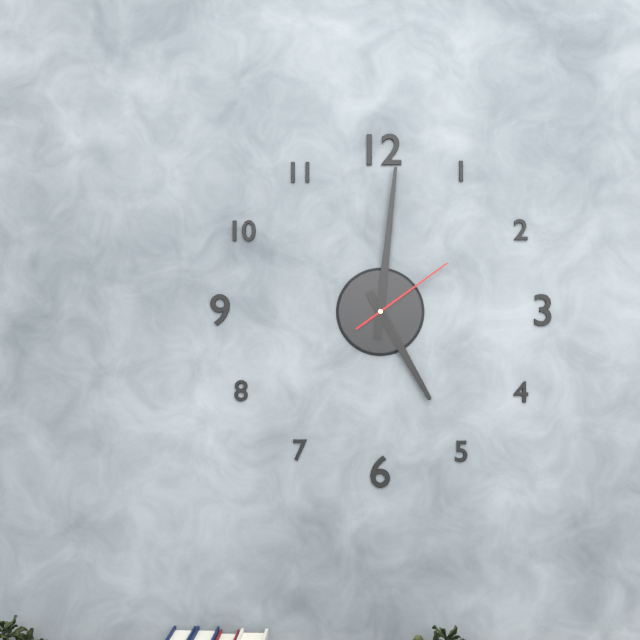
5:01:09
